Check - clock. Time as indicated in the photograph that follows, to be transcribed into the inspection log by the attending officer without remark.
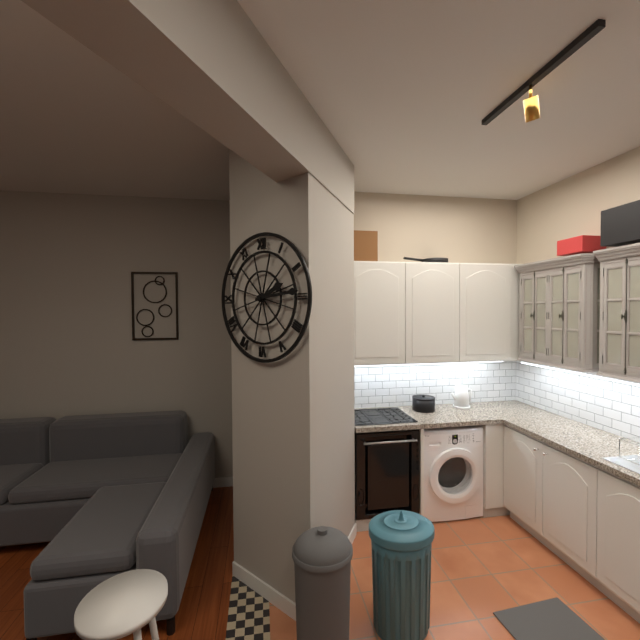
2:14
